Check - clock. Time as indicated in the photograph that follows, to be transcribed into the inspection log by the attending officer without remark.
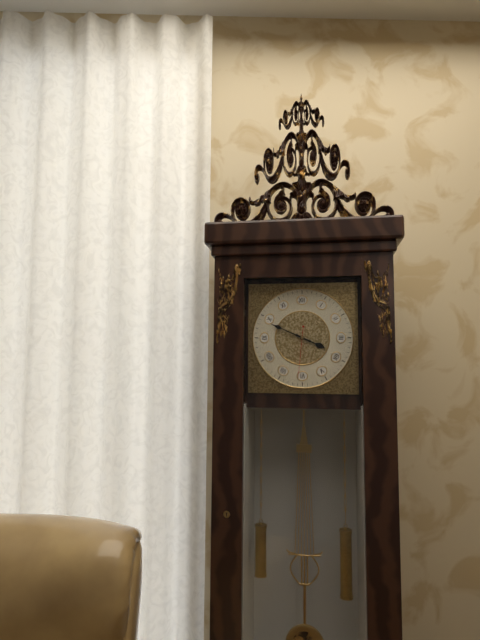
3:49
